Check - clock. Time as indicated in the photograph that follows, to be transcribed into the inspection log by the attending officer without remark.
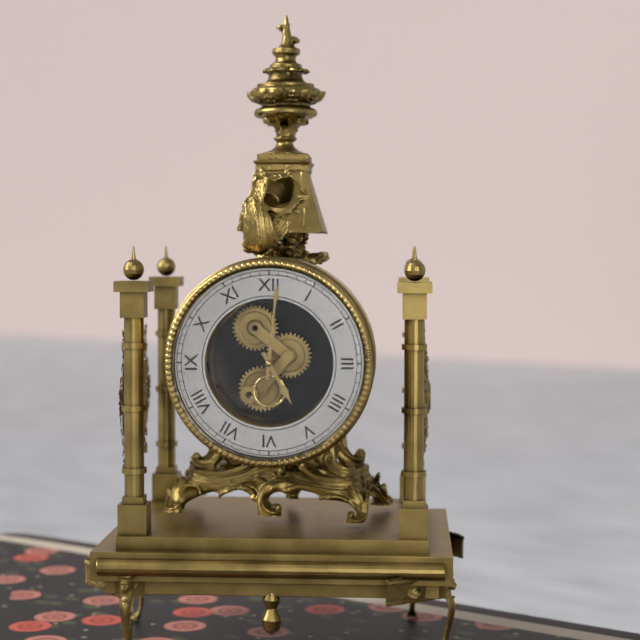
5:01
